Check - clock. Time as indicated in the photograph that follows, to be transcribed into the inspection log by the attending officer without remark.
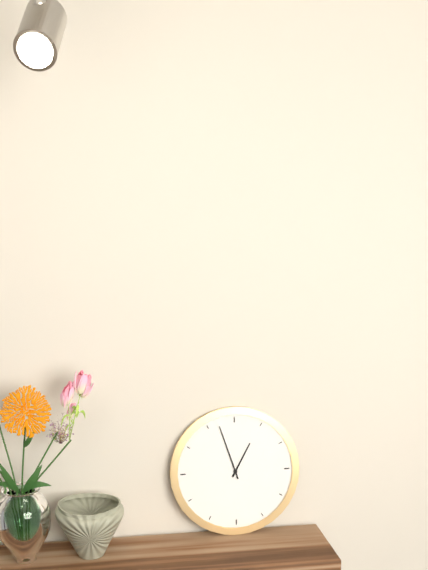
12:57
